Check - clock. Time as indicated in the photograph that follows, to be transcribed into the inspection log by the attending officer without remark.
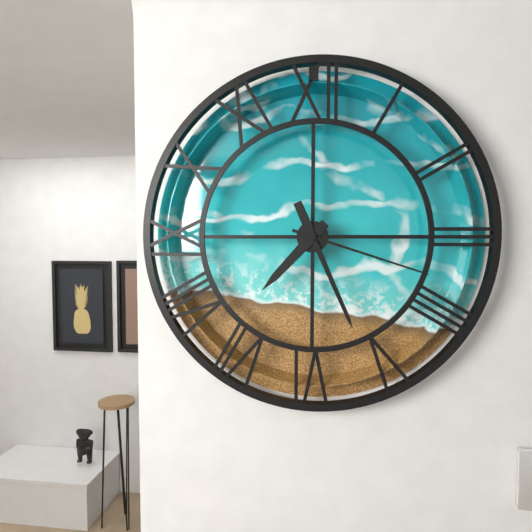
7:26:18
